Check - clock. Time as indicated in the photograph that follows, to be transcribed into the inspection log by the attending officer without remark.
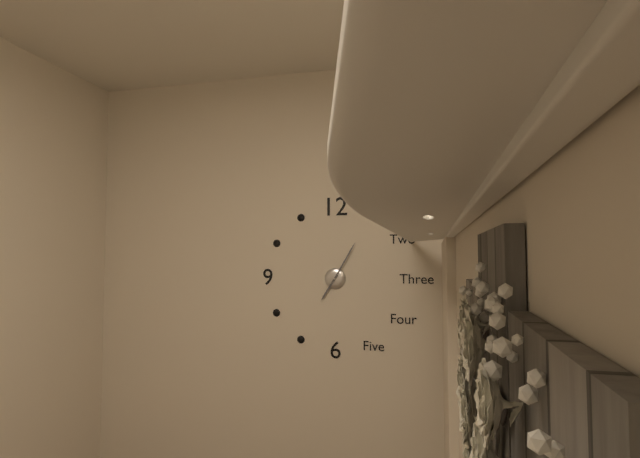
7:05
